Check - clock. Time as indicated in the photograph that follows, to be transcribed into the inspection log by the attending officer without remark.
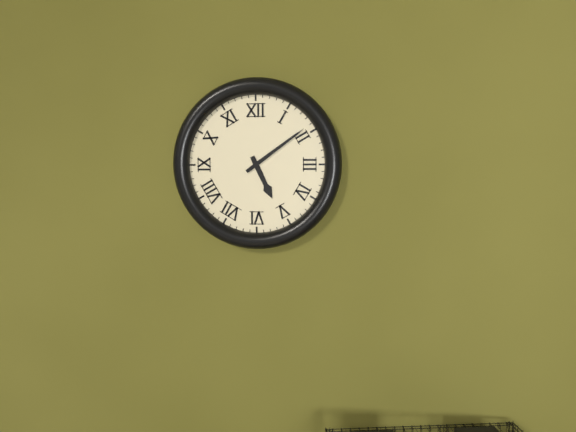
5:09
